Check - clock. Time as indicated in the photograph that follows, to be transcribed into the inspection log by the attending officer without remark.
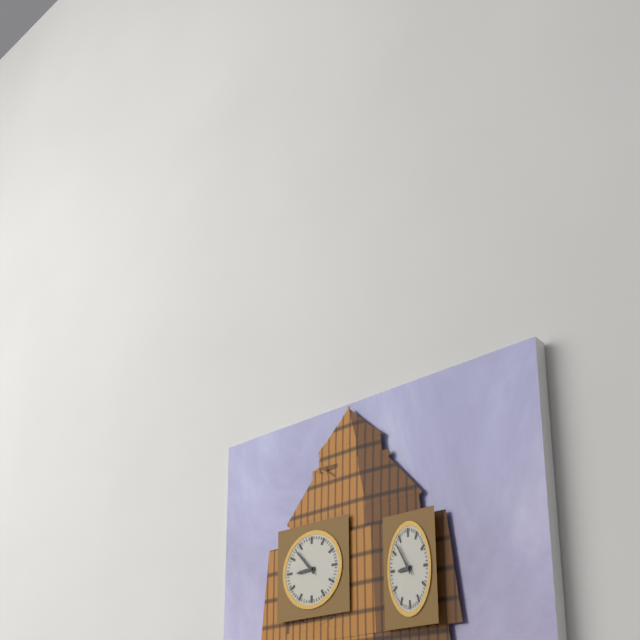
8:53
